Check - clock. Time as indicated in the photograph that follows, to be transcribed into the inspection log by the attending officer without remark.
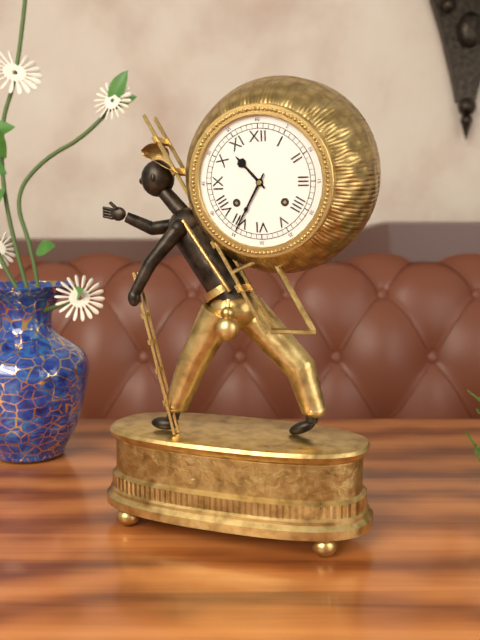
10:35
